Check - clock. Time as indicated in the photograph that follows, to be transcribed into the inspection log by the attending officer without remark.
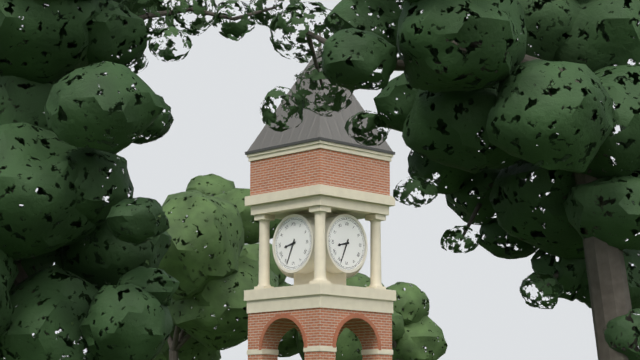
8:34
